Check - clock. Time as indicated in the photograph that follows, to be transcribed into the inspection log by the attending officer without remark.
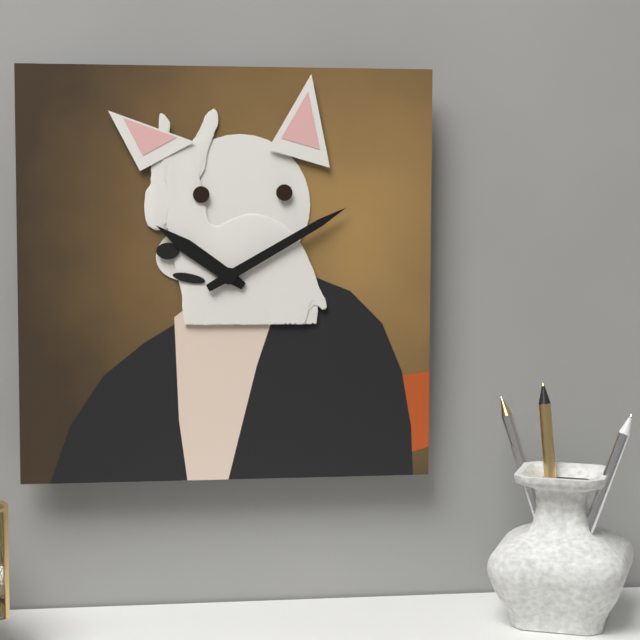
10:10
